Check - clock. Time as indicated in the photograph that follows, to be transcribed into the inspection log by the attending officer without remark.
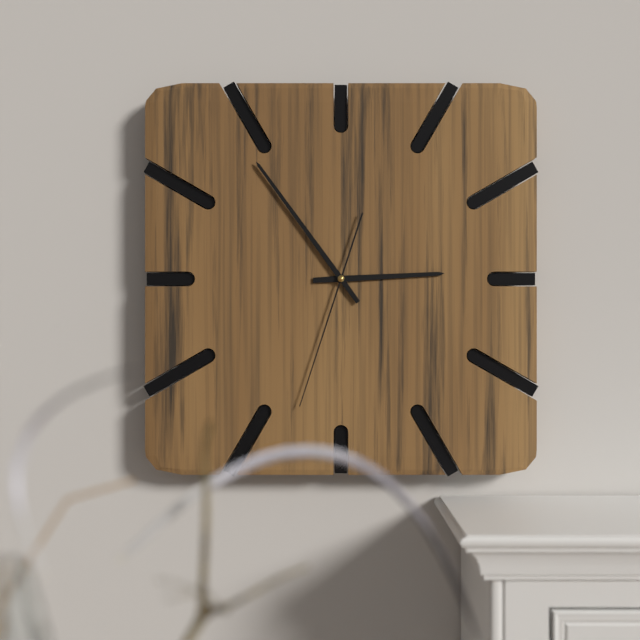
2:54:33
